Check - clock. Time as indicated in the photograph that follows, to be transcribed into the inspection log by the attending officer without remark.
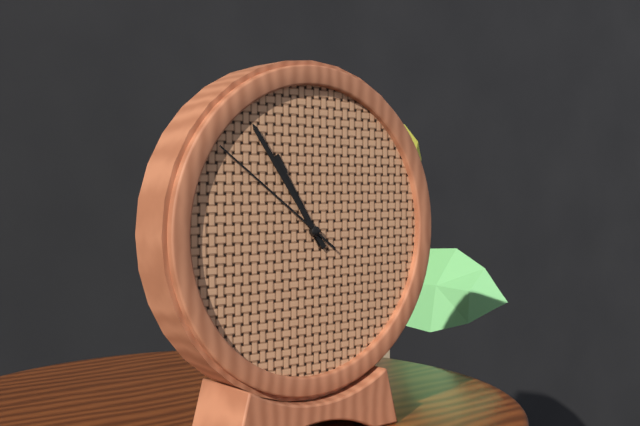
10:54:51
